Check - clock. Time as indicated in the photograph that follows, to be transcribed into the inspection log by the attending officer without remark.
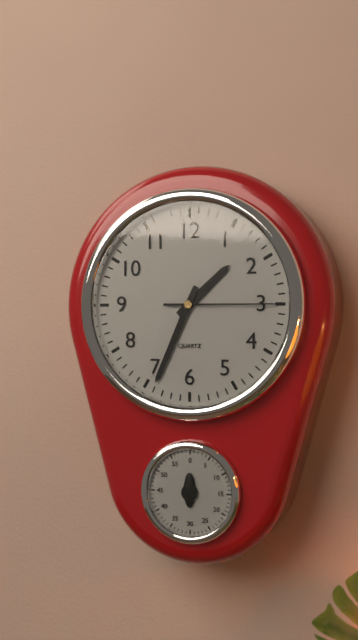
1:34:15
